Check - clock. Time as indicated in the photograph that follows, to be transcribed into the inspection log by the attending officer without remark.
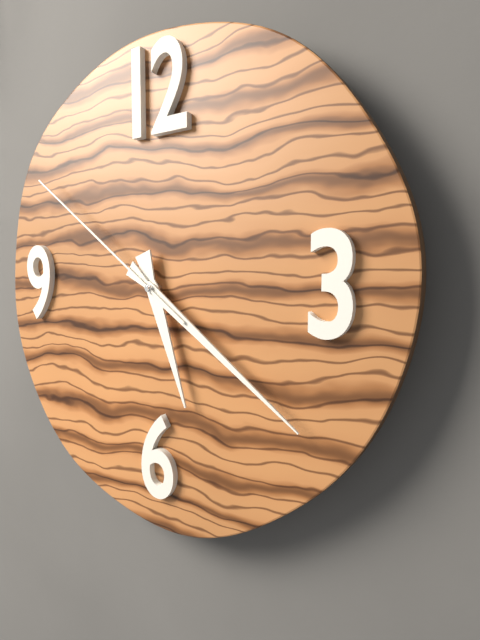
5:21:51
